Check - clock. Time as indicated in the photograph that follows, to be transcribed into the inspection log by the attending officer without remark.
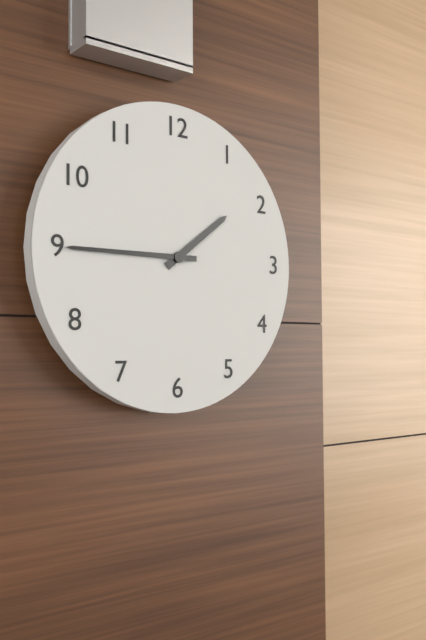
1:45
